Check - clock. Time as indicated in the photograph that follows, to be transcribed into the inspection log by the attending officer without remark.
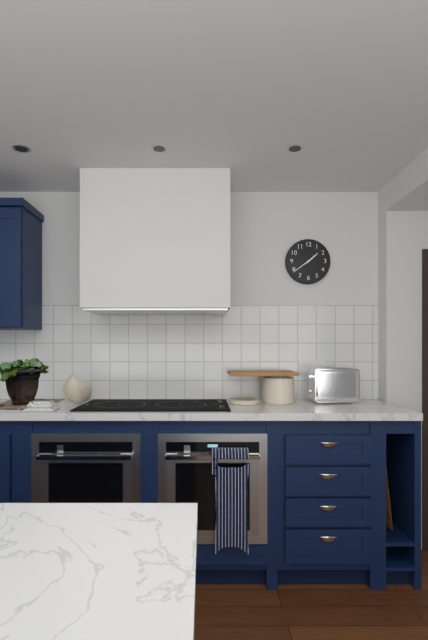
1:39
